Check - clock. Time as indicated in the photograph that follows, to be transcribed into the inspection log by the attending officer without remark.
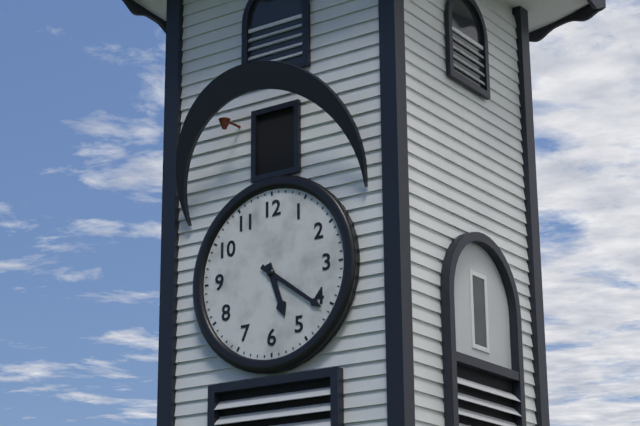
5:21
